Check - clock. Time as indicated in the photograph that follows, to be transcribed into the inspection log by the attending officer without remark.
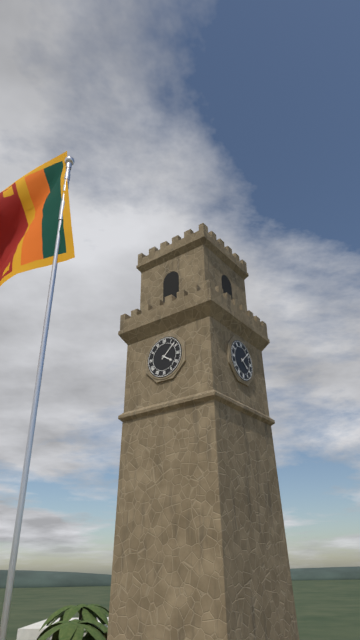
4:08
